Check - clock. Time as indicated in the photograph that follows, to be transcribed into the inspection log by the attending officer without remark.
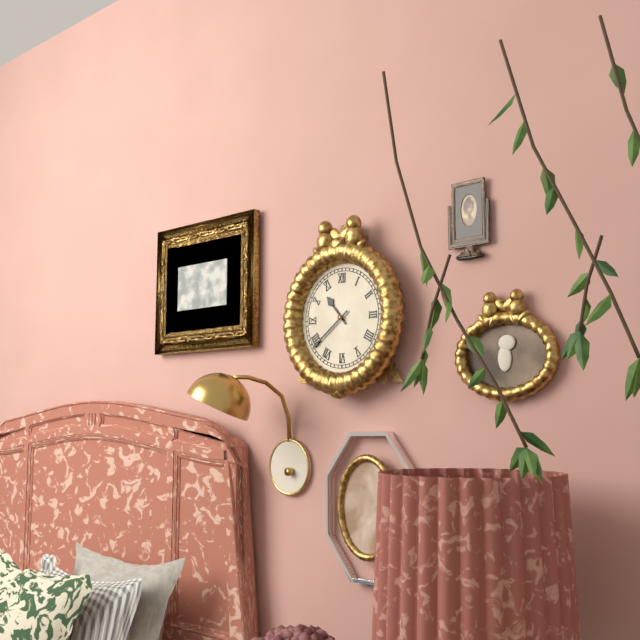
10:39
